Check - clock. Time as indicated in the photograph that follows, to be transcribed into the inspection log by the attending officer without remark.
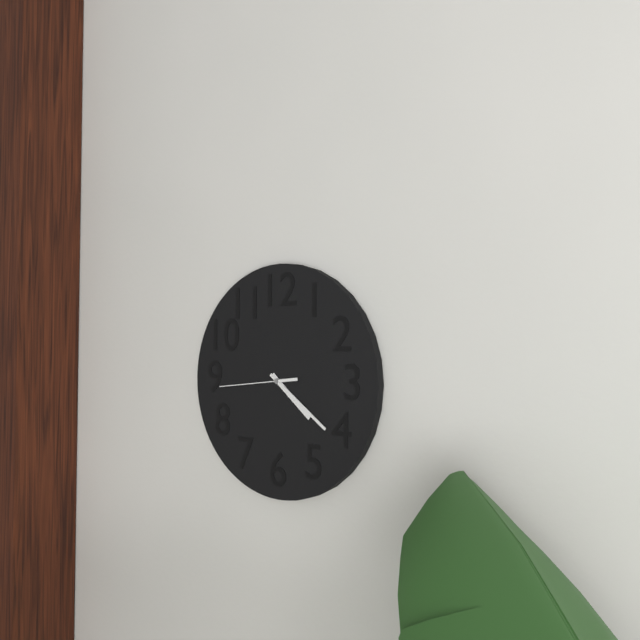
4:21:44
